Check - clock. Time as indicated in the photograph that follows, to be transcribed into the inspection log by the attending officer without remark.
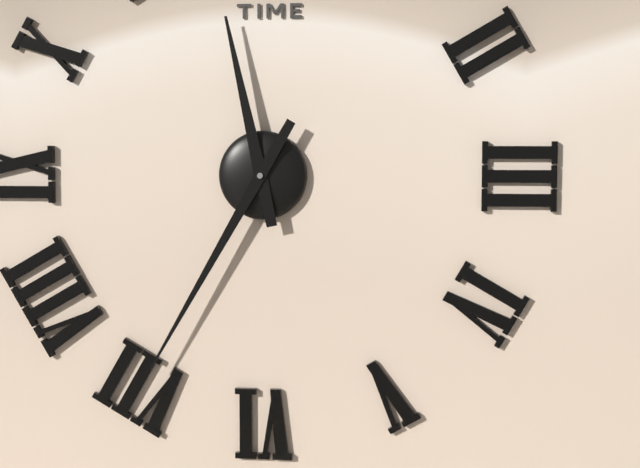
11:35
